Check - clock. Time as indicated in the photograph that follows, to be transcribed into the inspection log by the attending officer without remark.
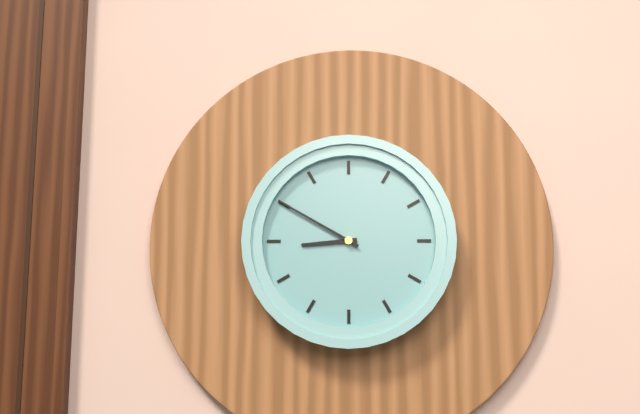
8:50
